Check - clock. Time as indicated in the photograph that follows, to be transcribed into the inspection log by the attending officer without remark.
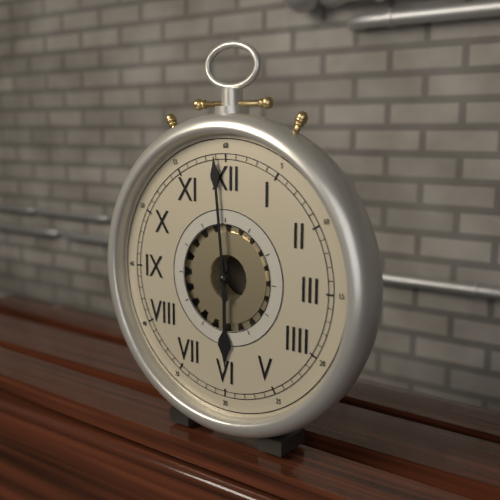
5:59
